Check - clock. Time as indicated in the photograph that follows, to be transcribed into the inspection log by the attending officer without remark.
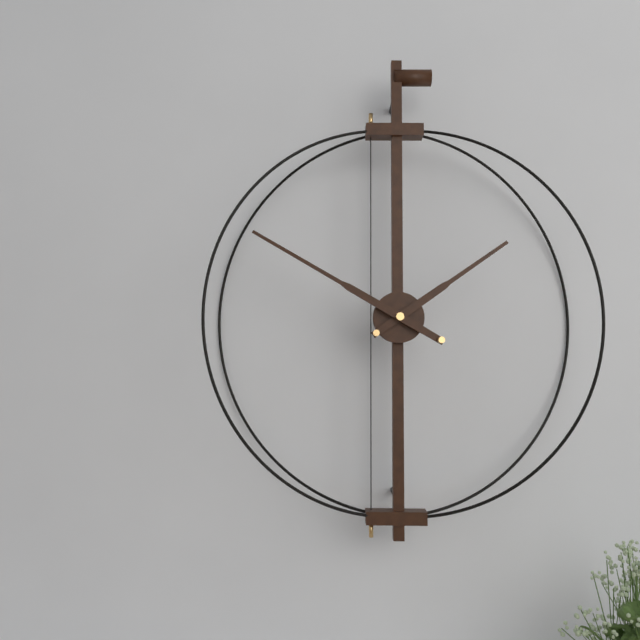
1:50
